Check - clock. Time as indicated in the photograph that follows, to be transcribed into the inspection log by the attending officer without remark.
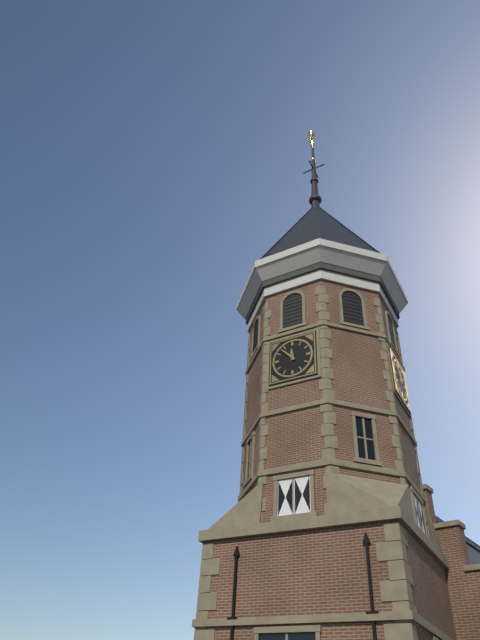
11:53
